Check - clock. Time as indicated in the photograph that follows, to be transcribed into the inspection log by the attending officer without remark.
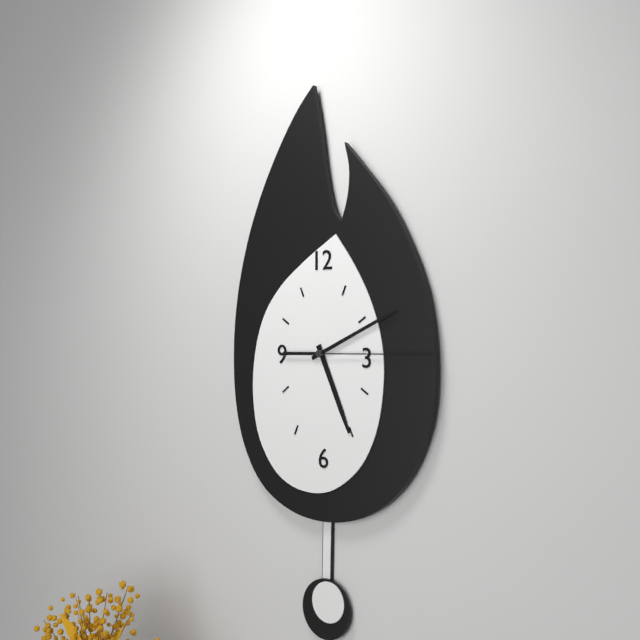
5:11:15
